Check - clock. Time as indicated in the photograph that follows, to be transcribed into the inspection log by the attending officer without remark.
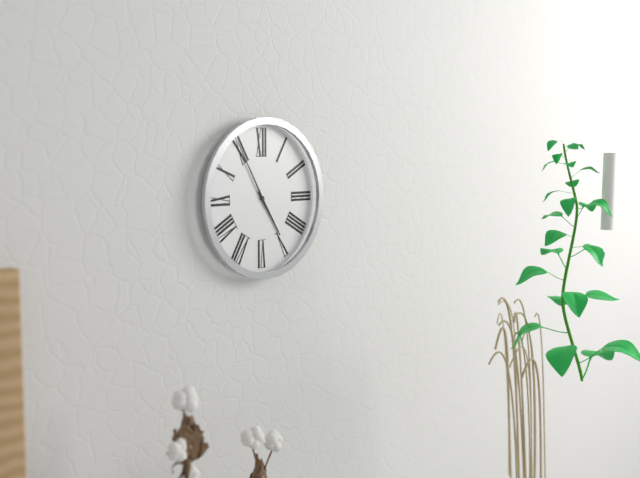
4:55
